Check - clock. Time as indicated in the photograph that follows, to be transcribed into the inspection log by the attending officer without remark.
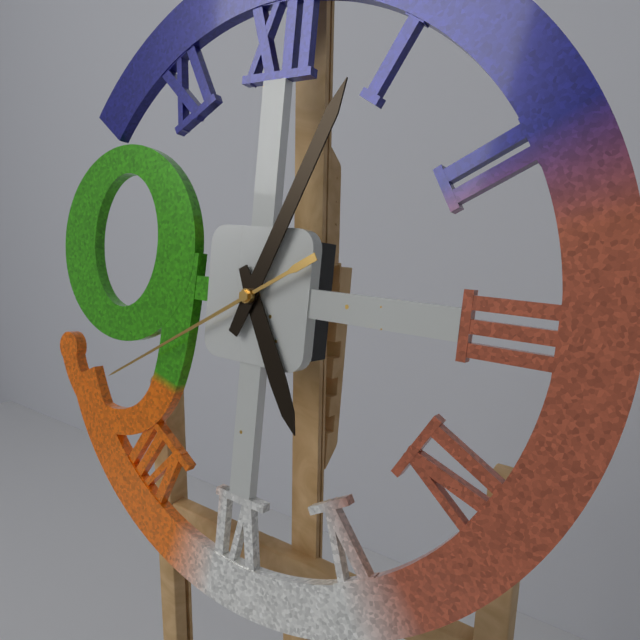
5:04:40
